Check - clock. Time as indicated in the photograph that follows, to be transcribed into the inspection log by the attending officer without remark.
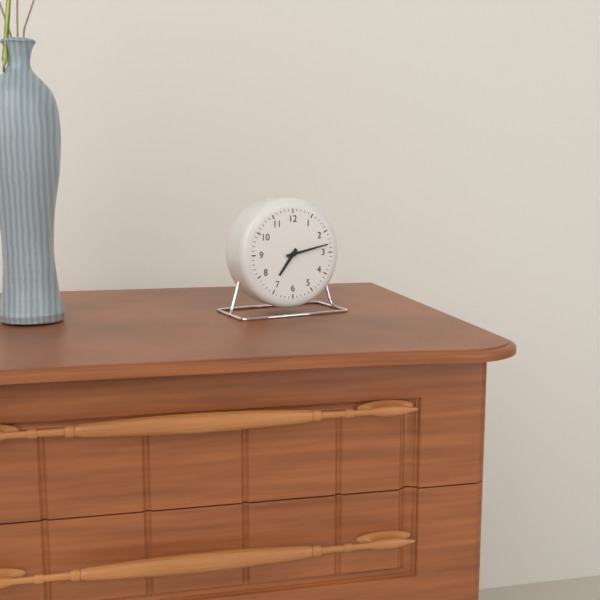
7:13
